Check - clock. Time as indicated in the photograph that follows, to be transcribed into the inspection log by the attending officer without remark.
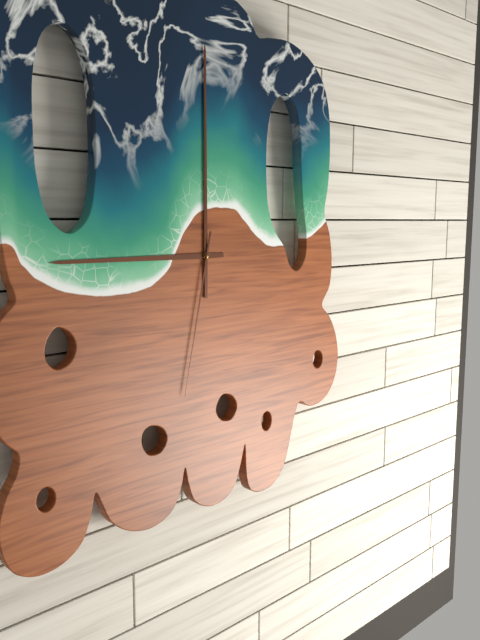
9:00:32
